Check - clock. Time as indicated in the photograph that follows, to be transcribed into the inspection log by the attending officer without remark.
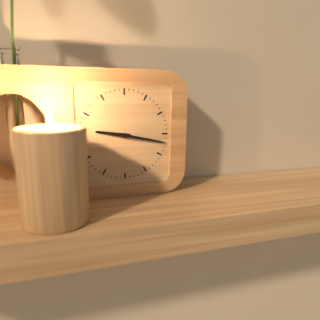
9:17
